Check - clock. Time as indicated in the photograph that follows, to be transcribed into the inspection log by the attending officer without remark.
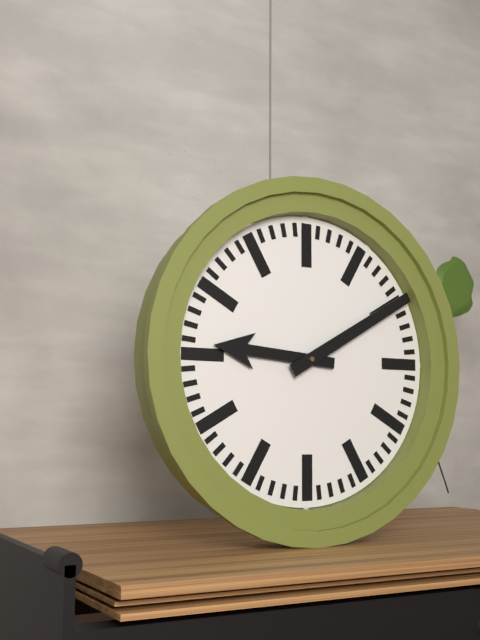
9:10
